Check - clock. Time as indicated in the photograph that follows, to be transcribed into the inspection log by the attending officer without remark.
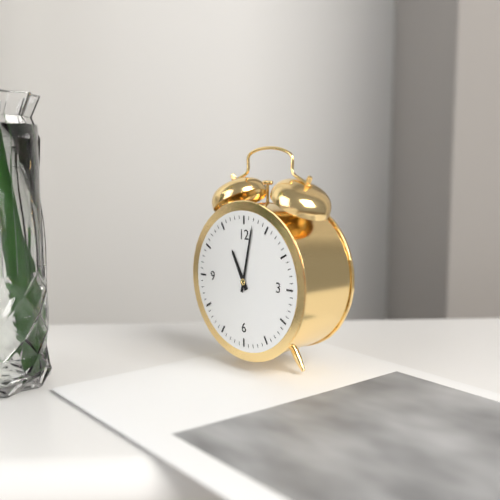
11:02
